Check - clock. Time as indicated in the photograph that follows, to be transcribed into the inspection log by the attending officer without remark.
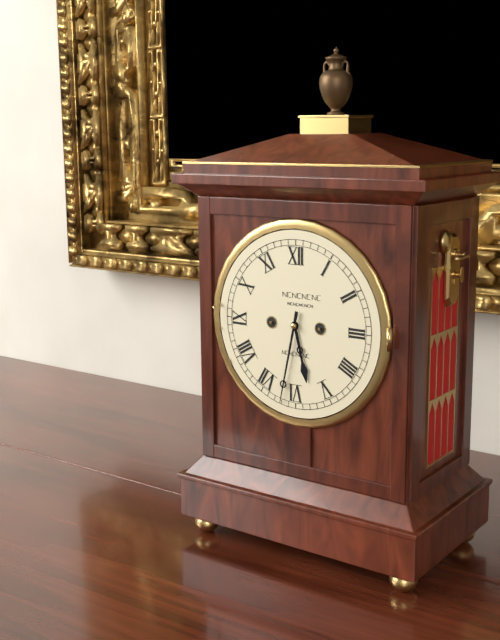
5:32
